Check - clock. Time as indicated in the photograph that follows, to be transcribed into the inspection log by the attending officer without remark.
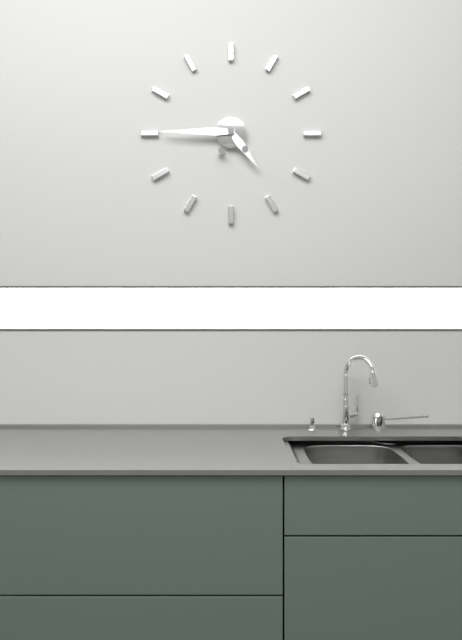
4:45
